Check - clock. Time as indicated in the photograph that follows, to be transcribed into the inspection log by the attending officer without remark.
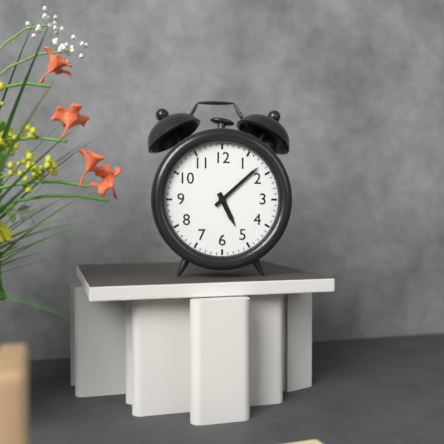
5:08
